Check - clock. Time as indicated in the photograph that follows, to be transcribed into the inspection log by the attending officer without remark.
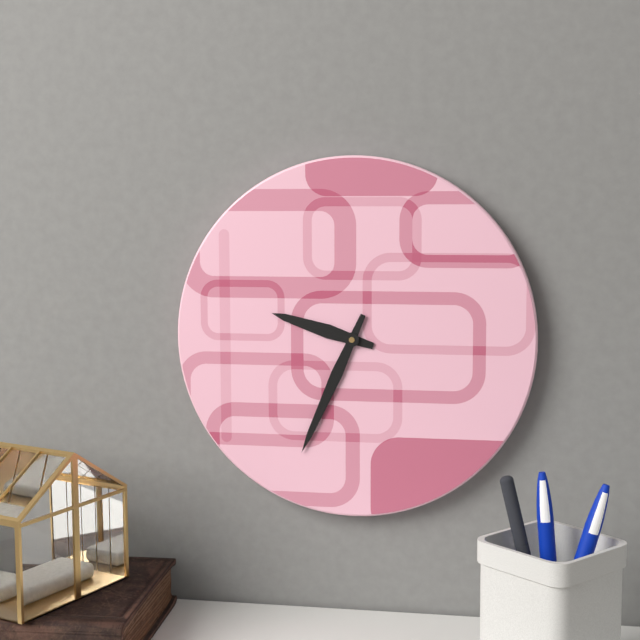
9:34
